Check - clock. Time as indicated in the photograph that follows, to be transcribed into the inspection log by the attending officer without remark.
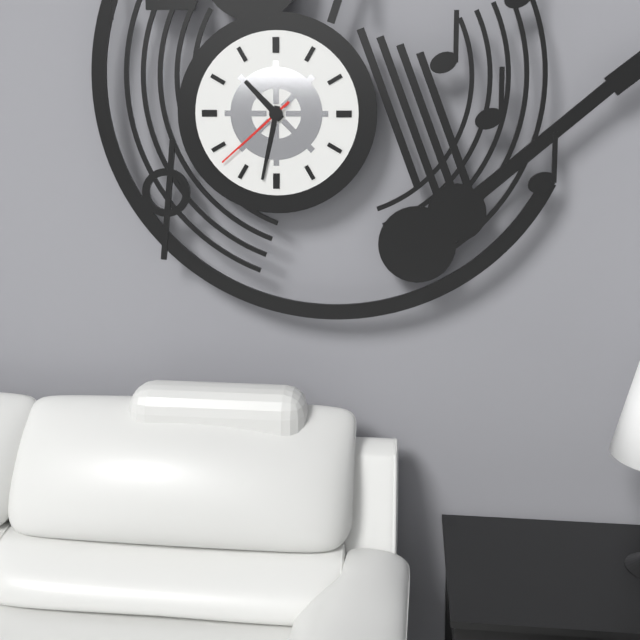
10:32:38
